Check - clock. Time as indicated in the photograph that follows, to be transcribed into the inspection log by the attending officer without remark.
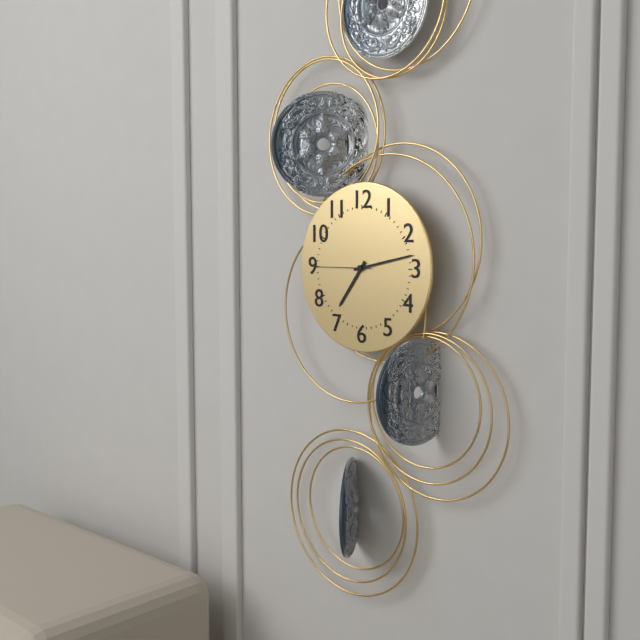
7:13:45
